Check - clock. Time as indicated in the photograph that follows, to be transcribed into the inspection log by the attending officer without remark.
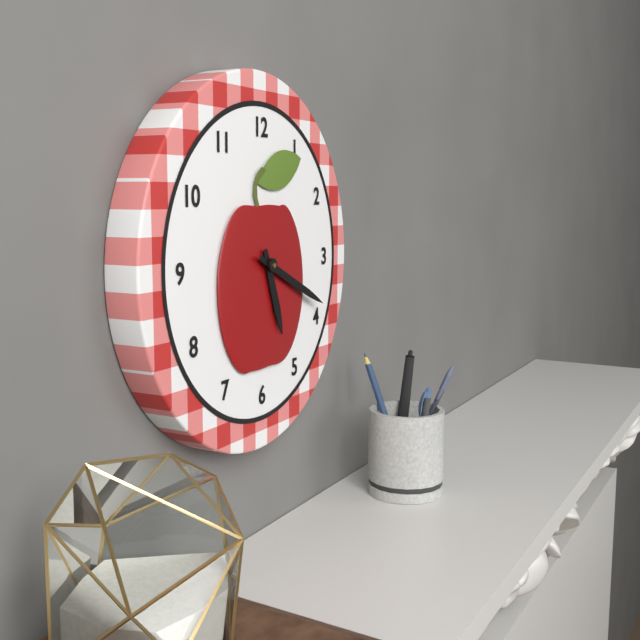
5:19
